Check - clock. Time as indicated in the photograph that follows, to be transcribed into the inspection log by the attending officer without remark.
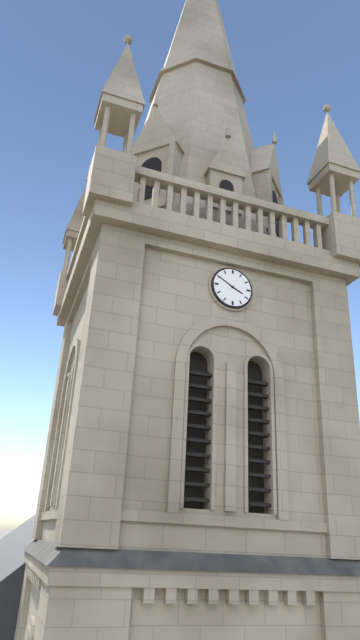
3:50
